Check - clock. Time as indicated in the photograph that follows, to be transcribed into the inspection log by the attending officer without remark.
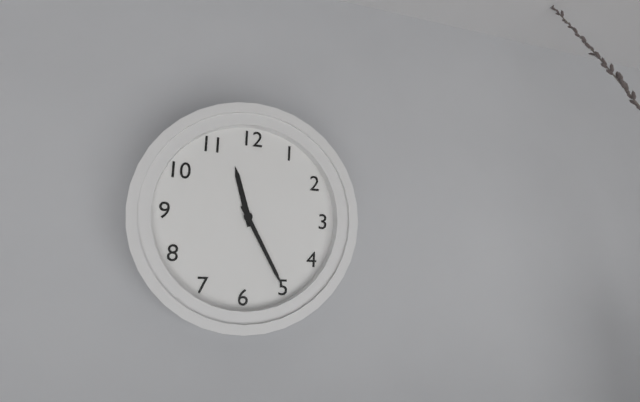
11:25
